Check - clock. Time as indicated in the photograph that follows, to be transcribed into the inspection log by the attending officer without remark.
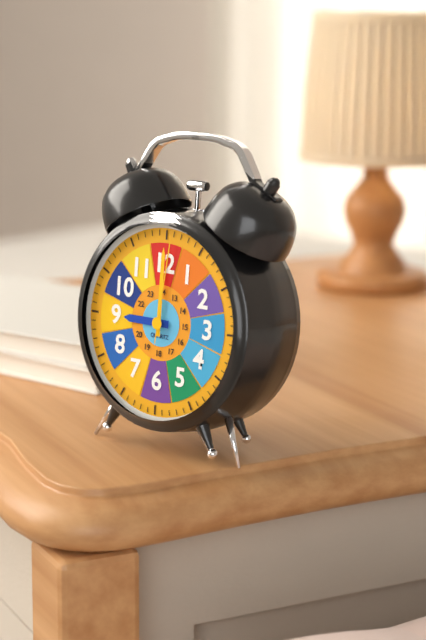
9:00:01
